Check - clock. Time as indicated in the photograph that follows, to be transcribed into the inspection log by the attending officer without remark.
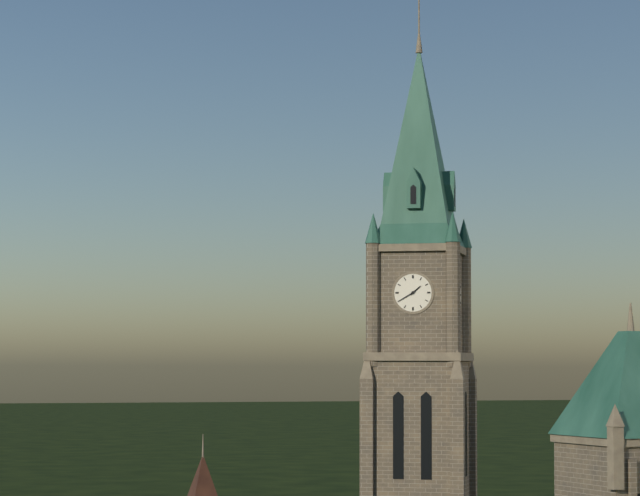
1:40
